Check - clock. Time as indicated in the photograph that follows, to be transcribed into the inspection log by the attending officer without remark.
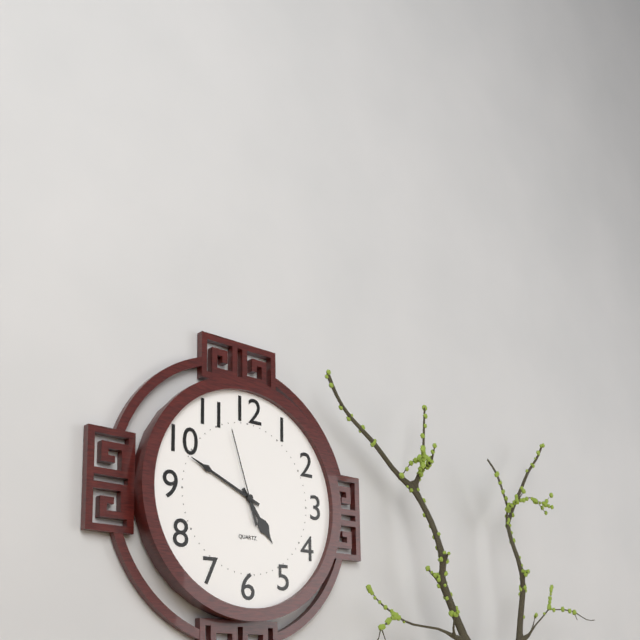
4:49:57
